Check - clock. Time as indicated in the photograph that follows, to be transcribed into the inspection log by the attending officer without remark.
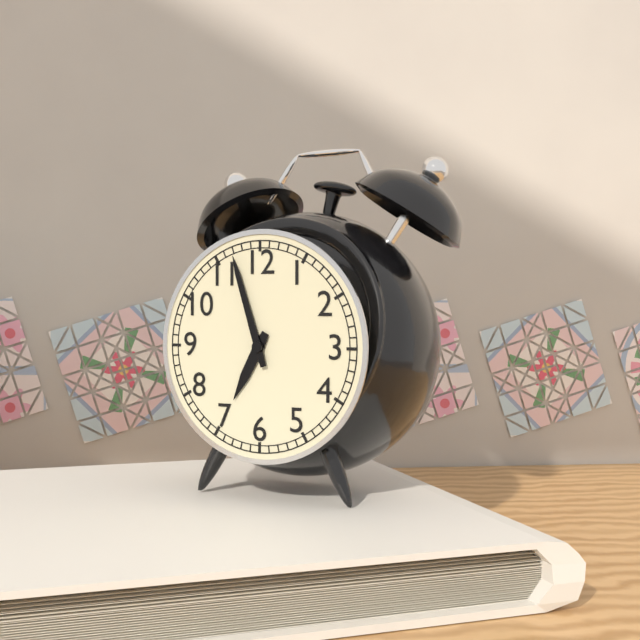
6:57
